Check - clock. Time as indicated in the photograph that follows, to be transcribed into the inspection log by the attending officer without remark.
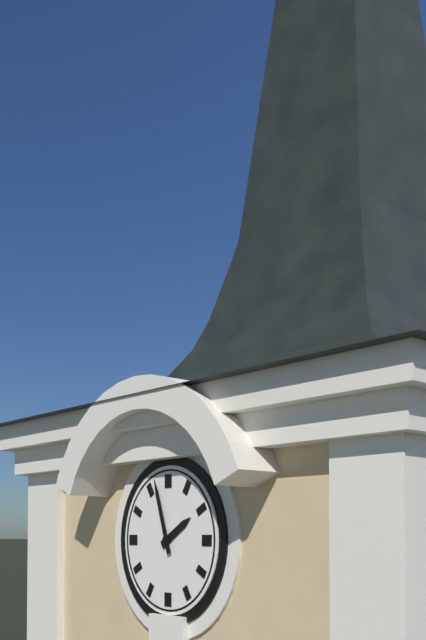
1:57
